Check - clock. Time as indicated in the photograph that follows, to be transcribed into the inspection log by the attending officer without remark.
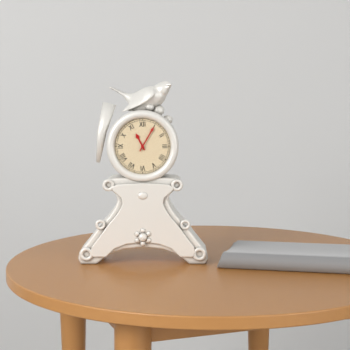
11:05
